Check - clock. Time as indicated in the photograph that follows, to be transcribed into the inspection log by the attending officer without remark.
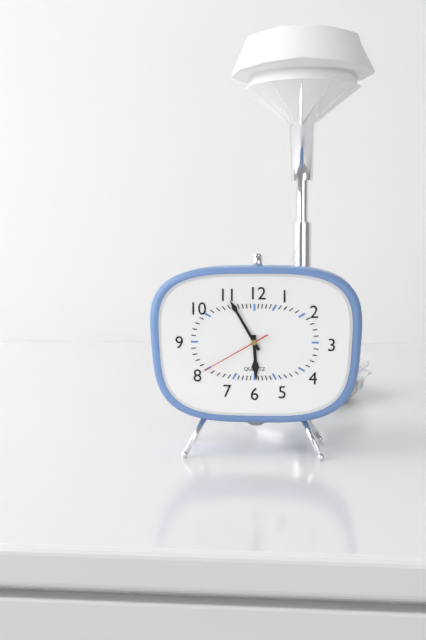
5:55:40
